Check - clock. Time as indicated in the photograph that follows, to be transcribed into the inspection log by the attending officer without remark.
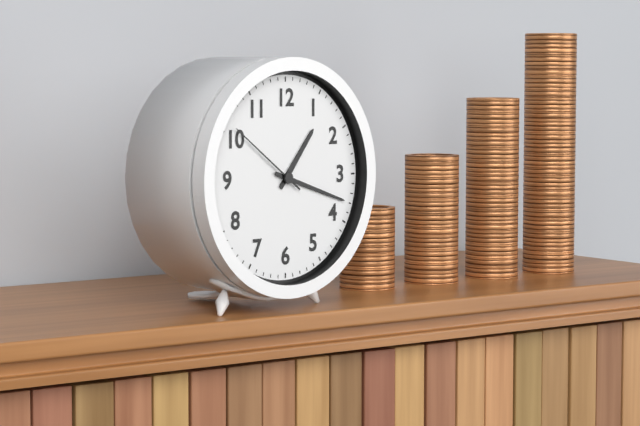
1:18:51
